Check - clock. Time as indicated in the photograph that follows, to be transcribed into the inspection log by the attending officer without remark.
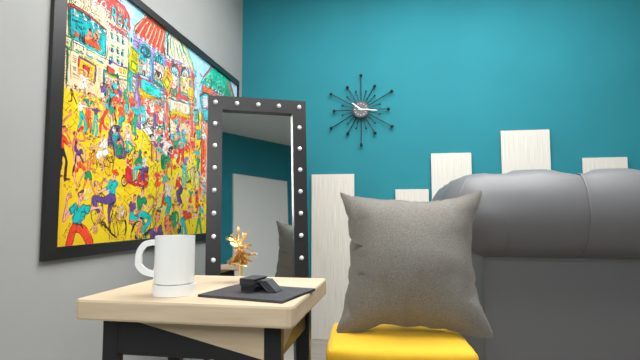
10:16
